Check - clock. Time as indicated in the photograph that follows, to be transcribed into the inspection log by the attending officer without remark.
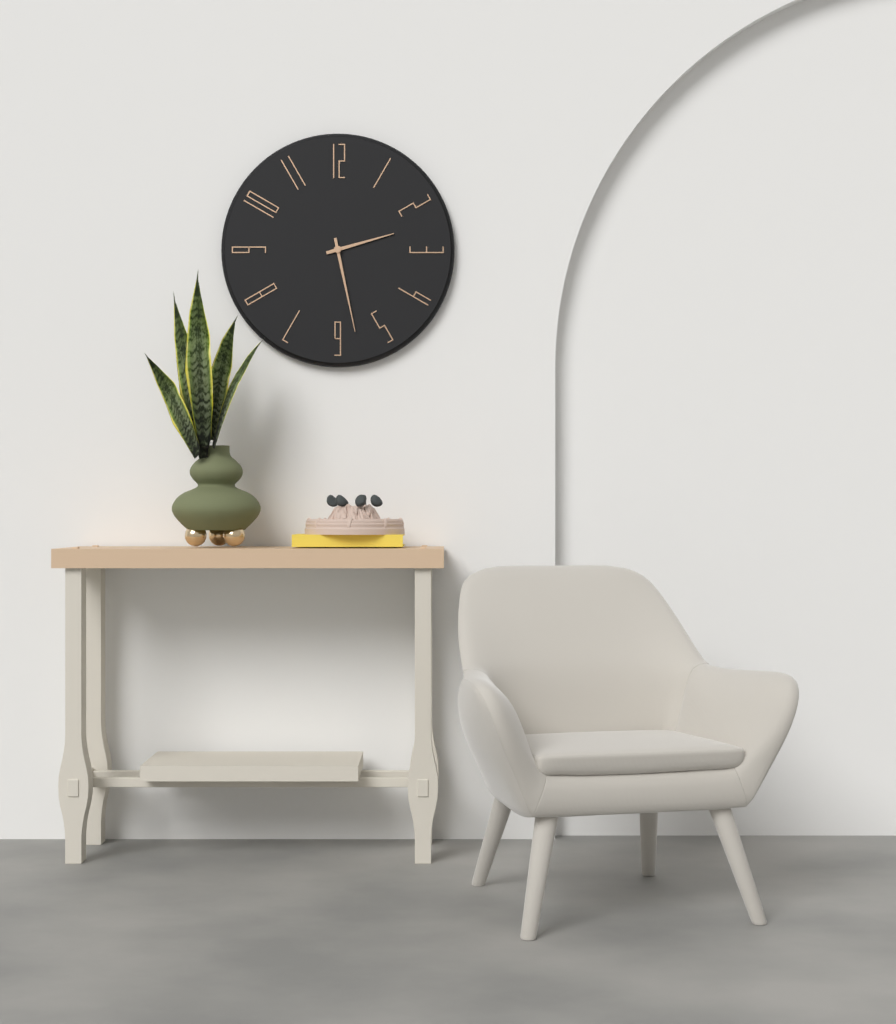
2:28
